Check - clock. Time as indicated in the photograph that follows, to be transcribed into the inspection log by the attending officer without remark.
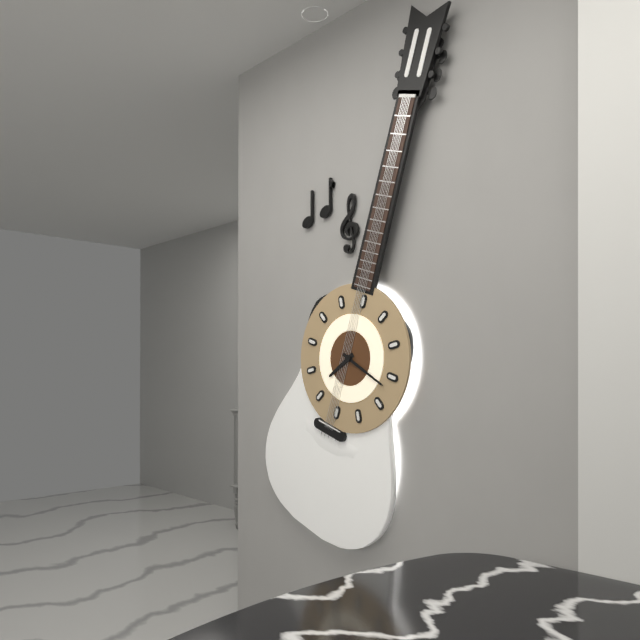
7:17
